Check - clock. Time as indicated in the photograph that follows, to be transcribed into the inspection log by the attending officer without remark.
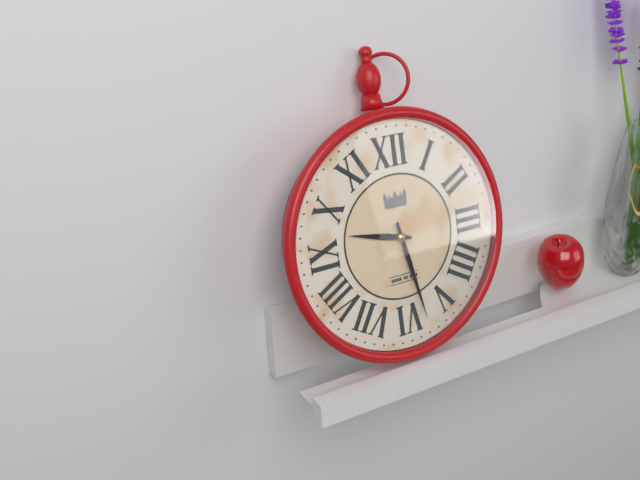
9:28
